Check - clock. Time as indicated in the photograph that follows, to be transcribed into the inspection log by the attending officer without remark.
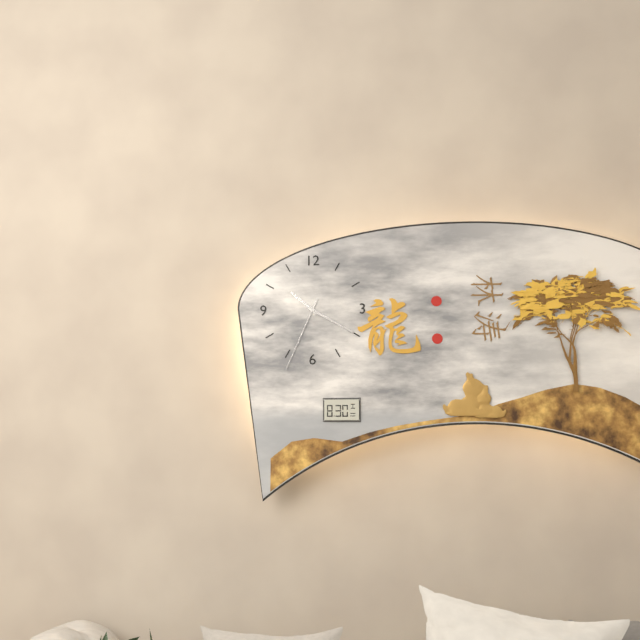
10:20:34
